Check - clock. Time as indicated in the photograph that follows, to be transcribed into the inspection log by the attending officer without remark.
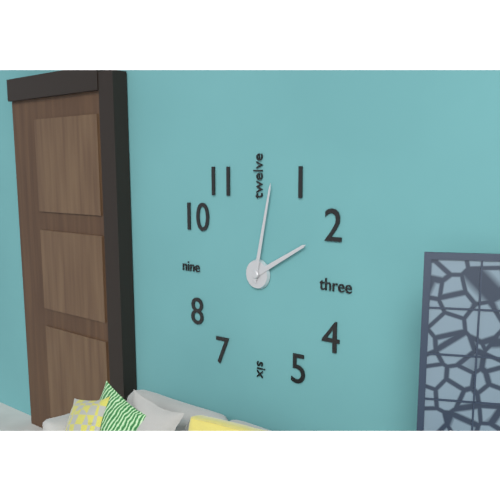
2:02
